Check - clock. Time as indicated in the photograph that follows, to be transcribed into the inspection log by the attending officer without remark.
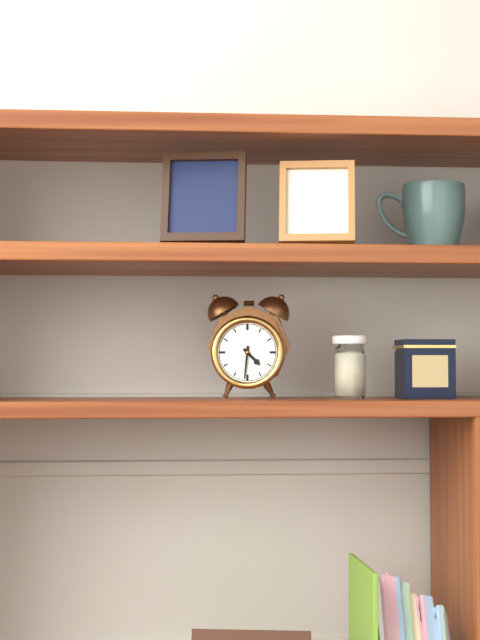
4:31
